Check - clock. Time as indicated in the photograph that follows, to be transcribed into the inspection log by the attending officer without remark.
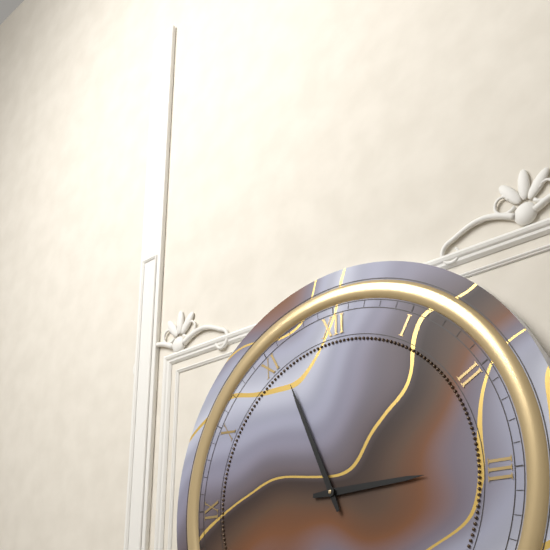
2:56
